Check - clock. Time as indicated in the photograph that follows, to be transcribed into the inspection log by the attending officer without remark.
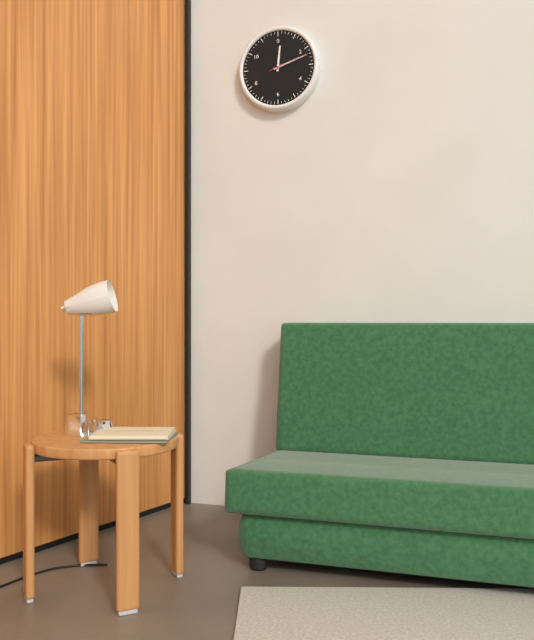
12:12
